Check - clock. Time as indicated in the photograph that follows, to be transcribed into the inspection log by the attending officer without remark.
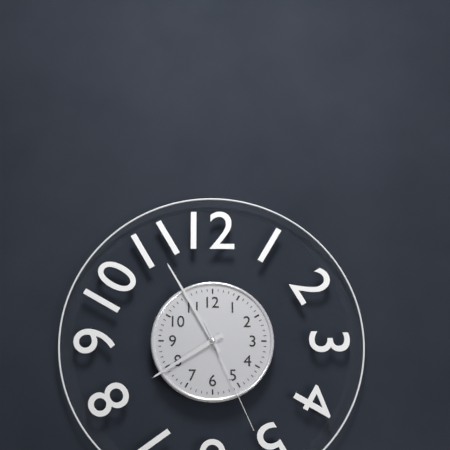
7:55:26
